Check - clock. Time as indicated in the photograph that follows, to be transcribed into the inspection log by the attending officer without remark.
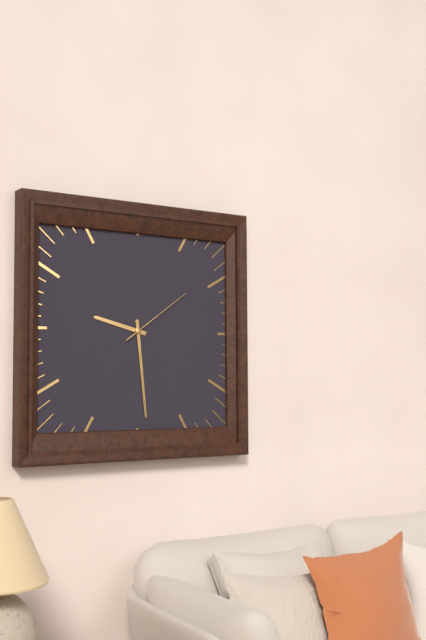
9:29:09
